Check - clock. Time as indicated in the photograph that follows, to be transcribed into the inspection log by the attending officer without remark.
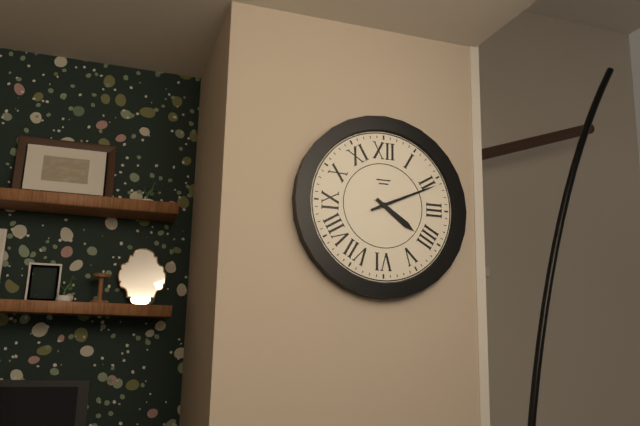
4:11
